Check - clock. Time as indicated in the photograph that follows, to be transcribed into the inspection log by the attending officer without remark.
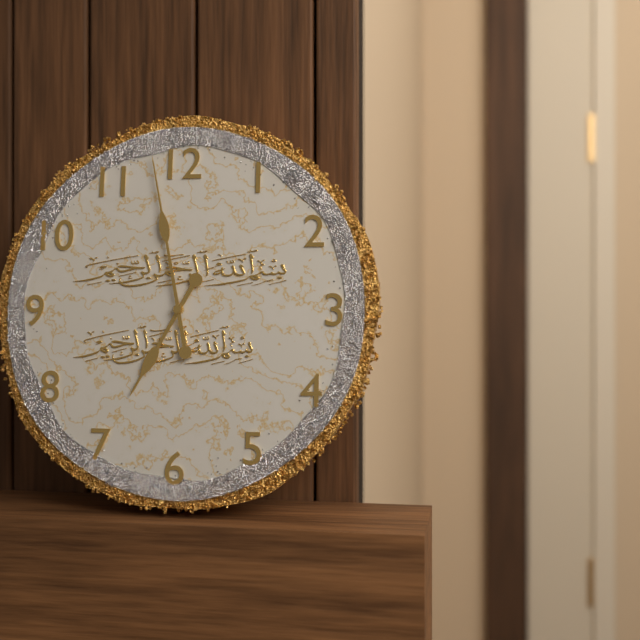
6:58
